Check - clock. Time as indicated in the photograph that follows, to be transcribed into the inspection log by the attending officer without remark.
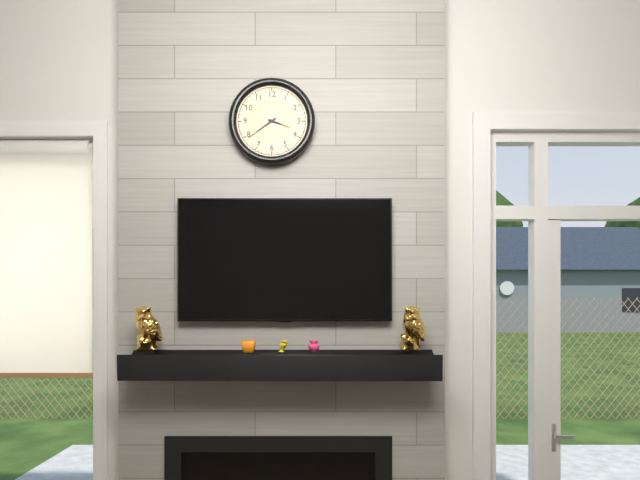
3:39
